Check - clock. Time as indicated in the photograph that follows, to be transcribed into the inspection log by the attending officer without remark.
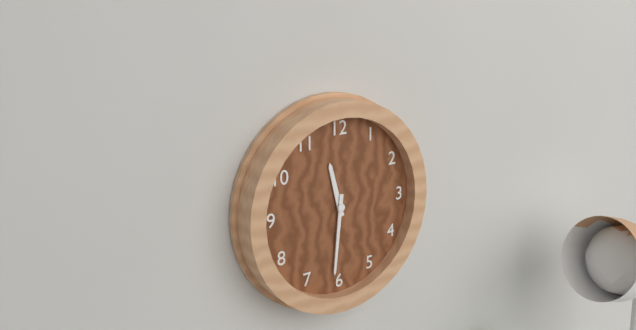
11:31
